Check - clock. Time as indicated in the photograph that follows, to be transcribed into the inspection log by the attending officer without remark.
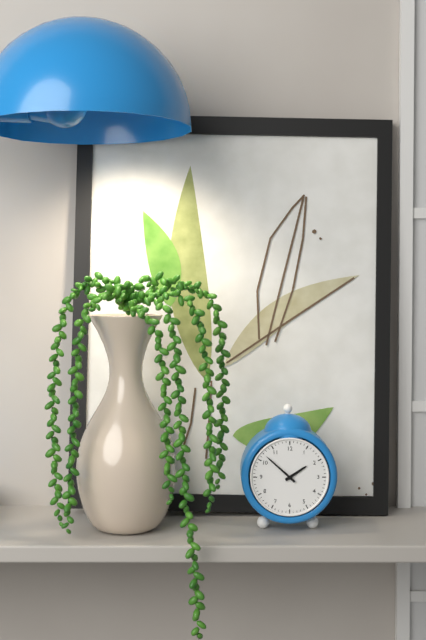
1:52
